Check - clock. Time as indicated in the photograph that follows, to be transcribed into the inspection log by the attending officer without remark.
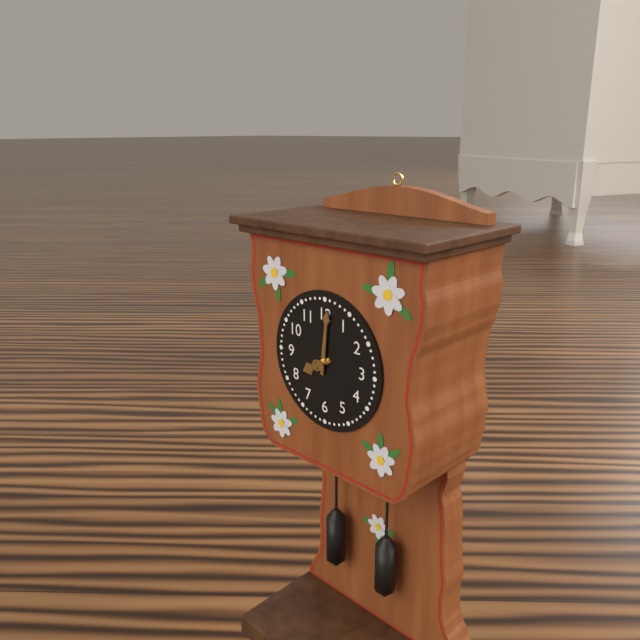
8:01
